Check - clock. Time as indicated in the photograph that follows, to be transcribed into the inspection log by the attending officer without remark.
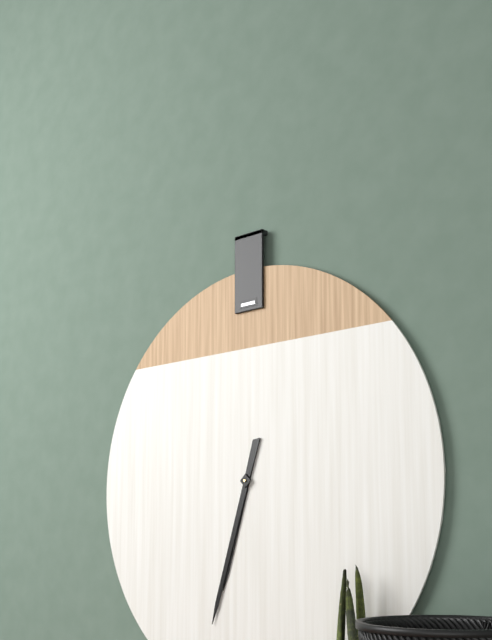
6:33
